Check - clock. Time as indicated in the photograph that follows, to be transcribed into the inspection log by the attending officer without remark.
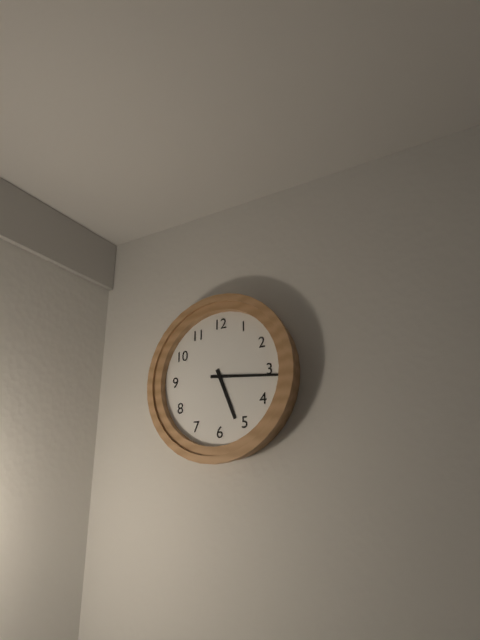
5:16
